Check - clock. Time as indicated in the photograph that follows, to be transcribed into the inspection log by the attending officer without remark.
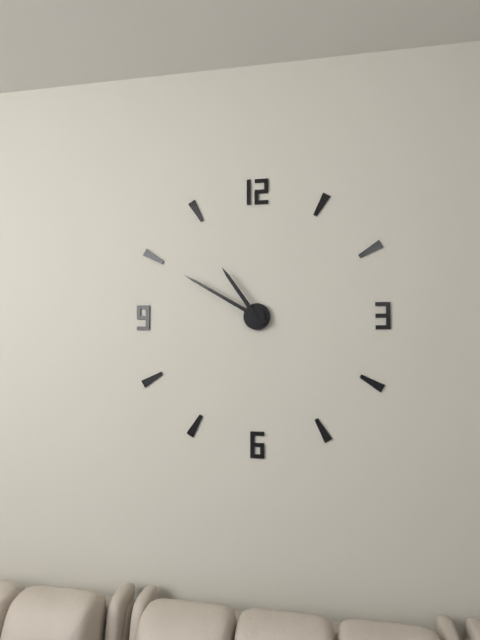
10:50
